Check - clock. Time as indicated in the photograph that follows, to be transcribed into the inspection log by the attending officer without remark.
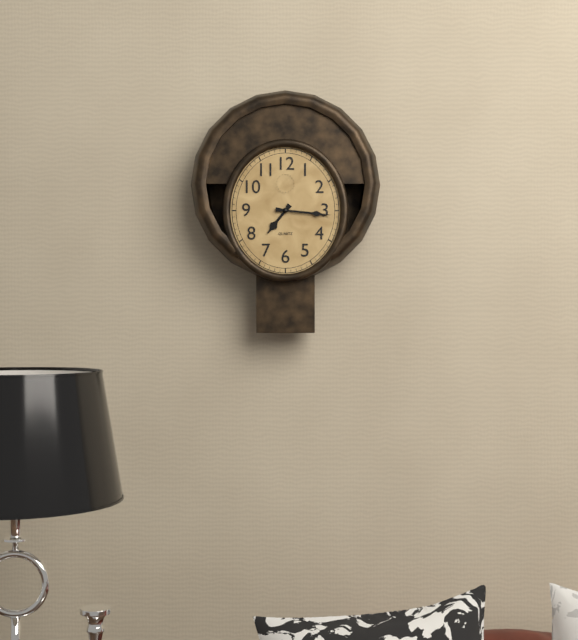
7:16
